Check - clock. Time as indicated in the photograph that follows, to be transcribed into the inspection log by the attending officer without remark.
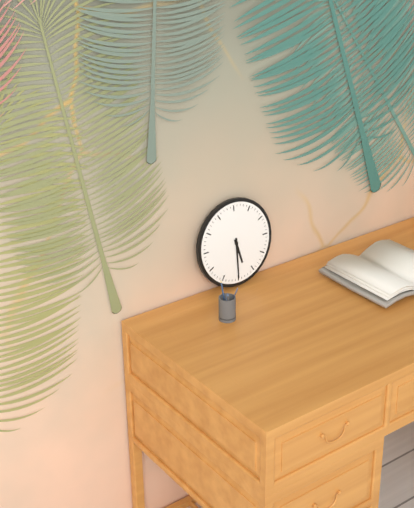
5:30
